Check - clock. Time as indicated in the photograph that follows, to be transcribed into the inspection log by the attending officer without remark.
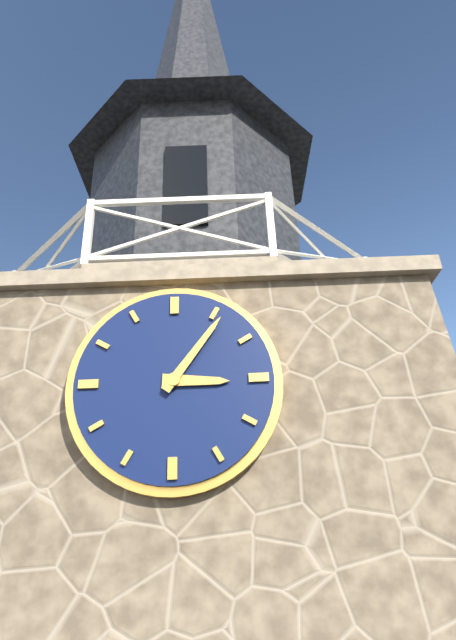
3:06
